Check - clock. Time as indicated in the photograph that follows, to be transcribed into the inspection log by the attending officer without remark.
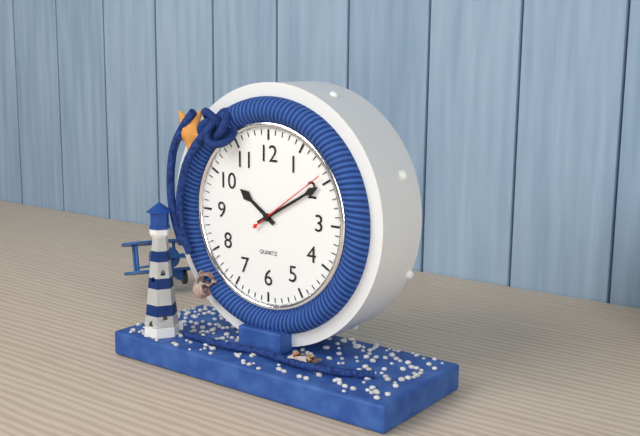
10:10:09
